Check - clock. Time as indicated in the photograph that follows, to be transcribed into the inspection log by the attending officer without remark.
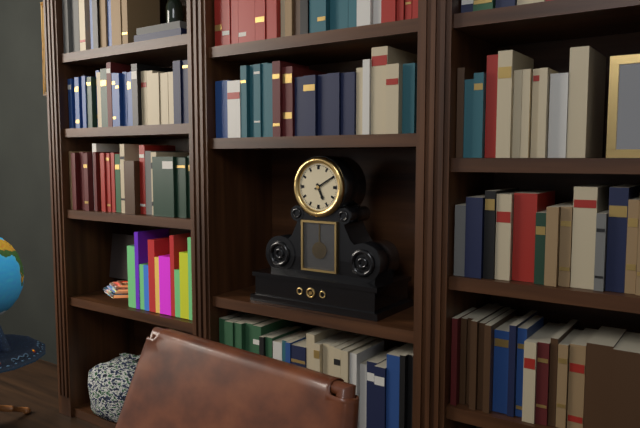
5:10
